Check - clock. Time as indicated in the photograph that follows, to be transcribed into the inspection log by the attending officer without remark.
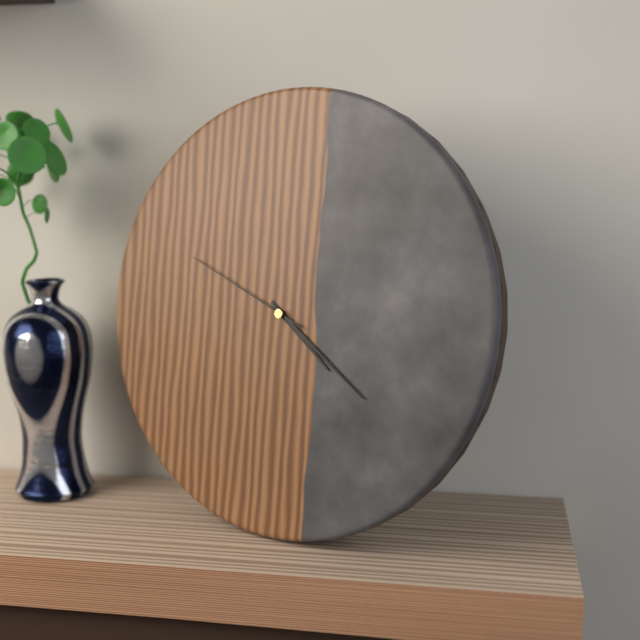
4:21:49
